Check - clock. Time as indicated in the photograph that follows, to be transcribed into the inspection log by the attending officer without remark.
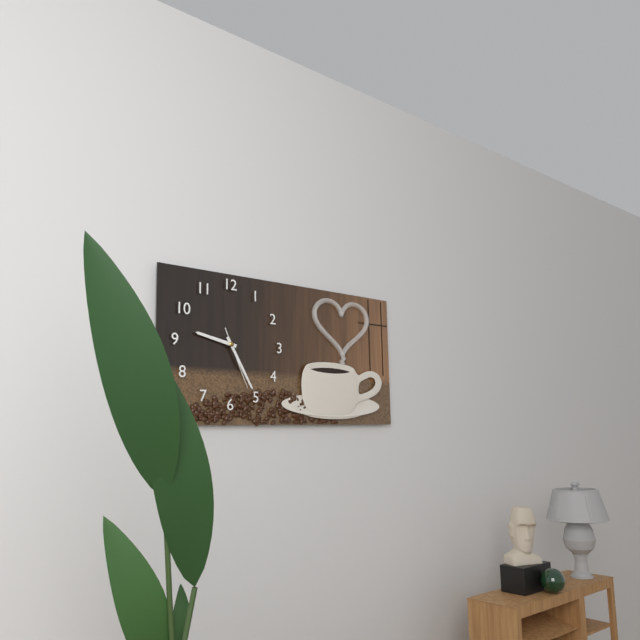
9:25:26
